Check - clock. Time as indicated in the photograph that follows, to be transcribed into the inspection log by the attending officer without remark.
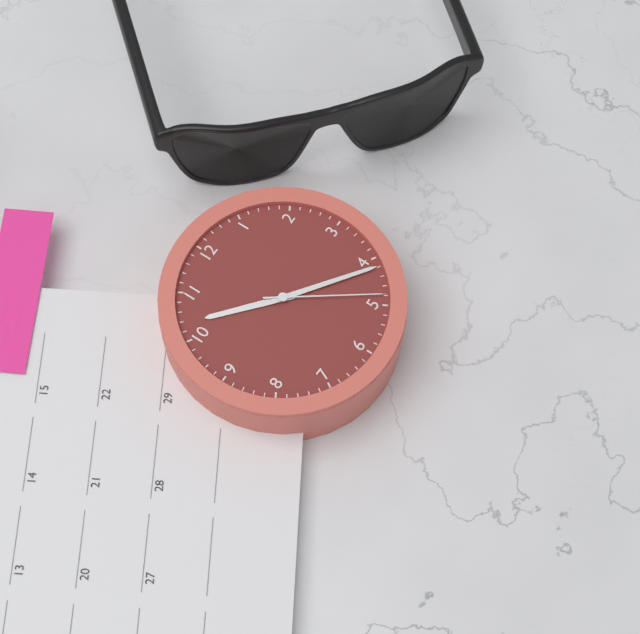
10:21:24
